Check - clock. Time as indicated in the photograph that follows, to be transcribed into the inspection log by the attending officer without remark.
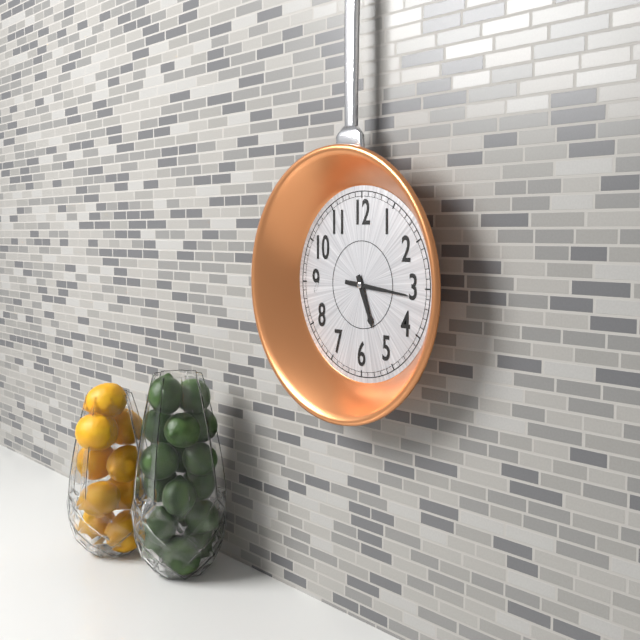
5:16
